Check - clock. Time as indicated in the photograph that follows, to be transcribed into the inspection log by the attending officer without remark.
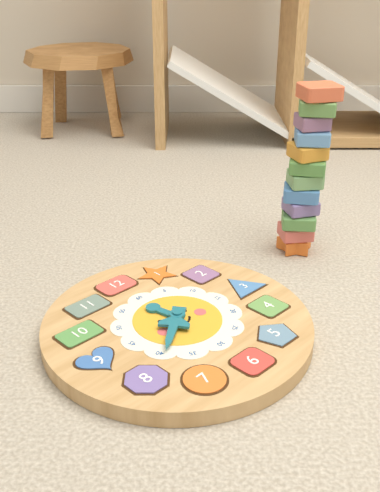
11:39
